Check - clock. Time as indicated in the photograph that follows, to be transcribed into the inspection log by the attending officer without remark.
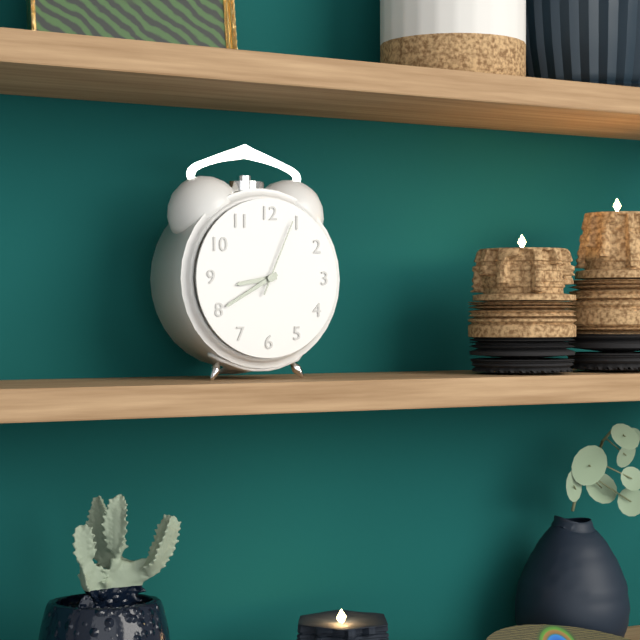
8:40:04
